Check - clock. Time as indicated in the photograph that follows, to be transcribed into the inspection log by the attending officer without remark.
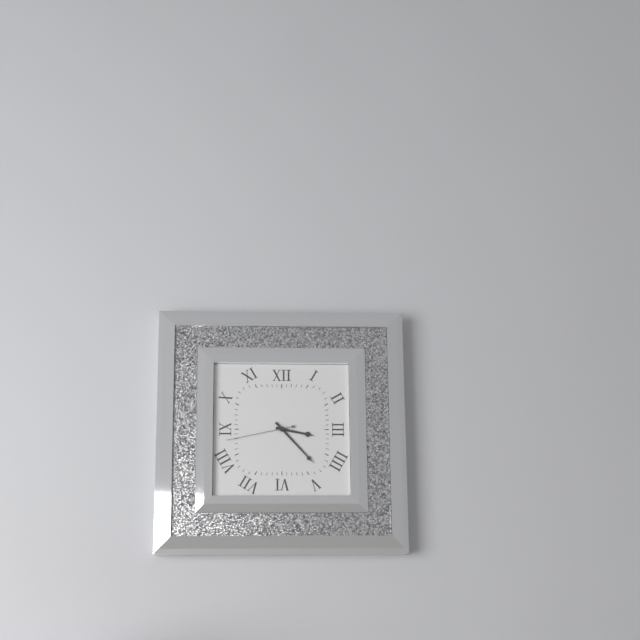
3:23:43
